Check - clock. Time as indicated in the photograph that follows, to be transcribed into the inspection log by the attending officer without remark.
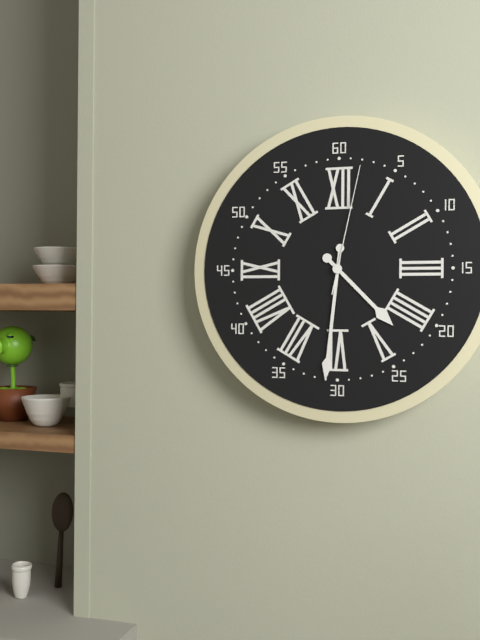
4:31:02
